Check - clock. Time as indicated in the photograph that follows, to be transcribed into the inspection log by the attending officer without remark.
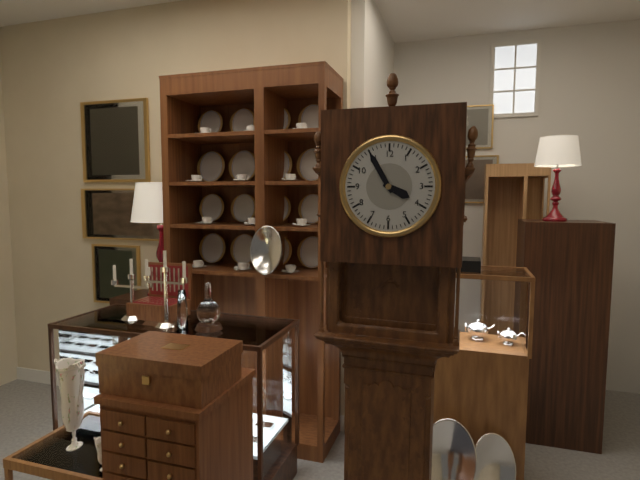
3:55
